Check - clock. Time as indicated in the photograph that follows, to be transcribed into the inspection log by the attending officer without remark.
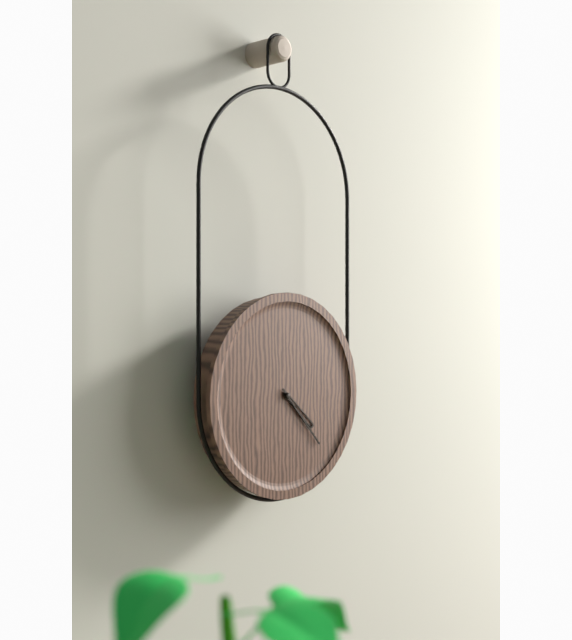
4:23
